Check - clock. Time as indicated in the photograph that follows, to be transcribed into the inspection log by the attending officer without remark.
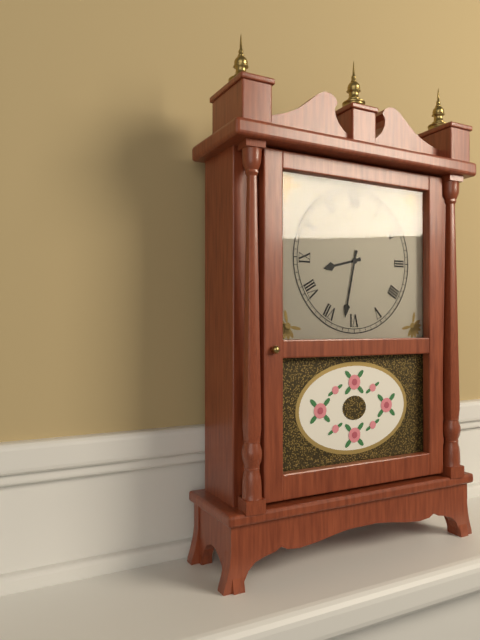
8:32
